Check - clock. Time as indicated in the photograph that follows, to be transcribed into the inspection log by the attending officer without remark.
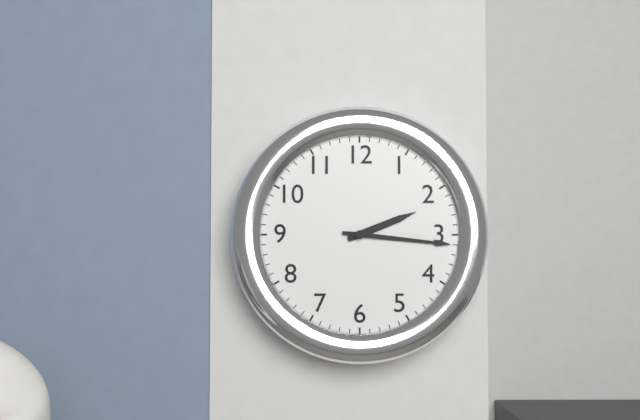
2:16
